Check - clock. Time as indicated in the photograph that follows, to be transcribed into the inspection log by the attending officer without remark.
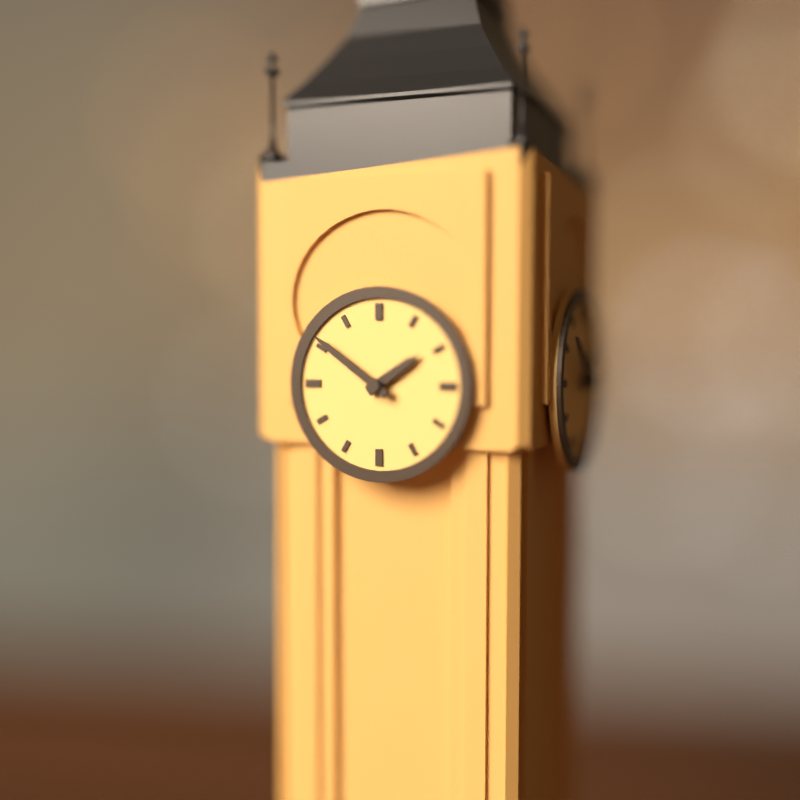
1:51
